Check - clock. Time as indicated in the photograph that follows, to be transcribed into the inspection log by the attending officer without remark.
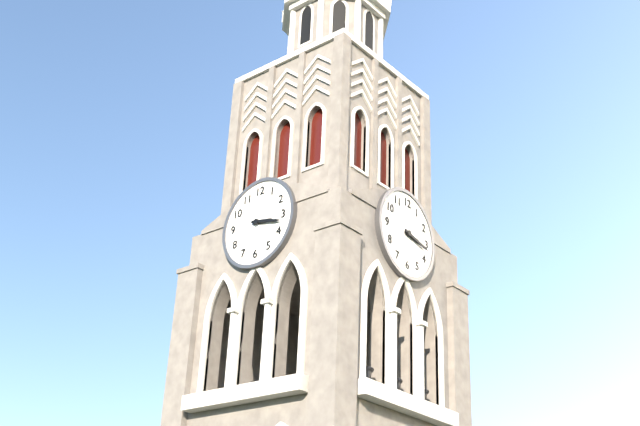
3:17
